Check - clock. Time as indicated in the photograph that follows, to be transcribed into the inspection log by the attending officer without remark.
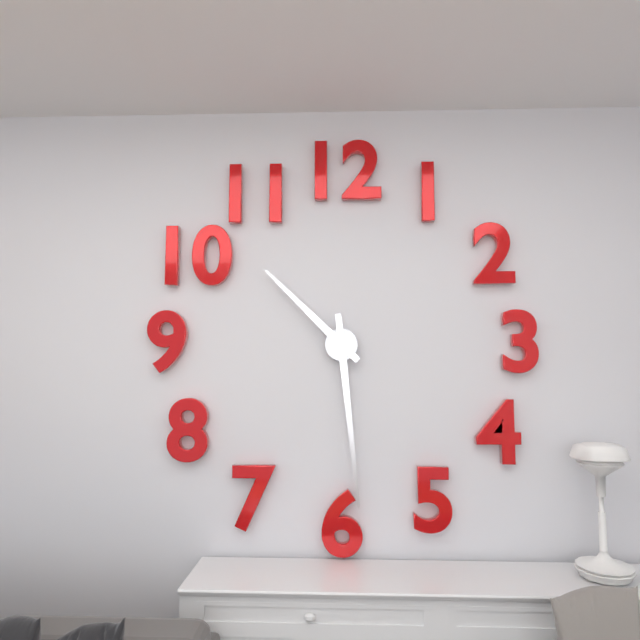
10:29
